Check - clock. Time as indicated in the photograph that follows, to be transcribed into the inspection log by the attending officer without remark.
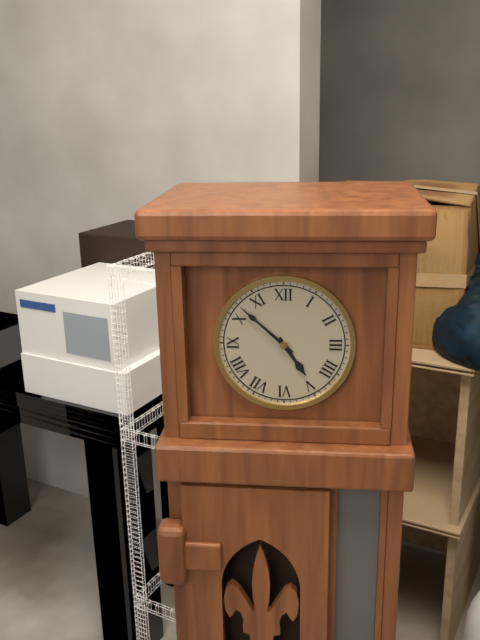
4:52
